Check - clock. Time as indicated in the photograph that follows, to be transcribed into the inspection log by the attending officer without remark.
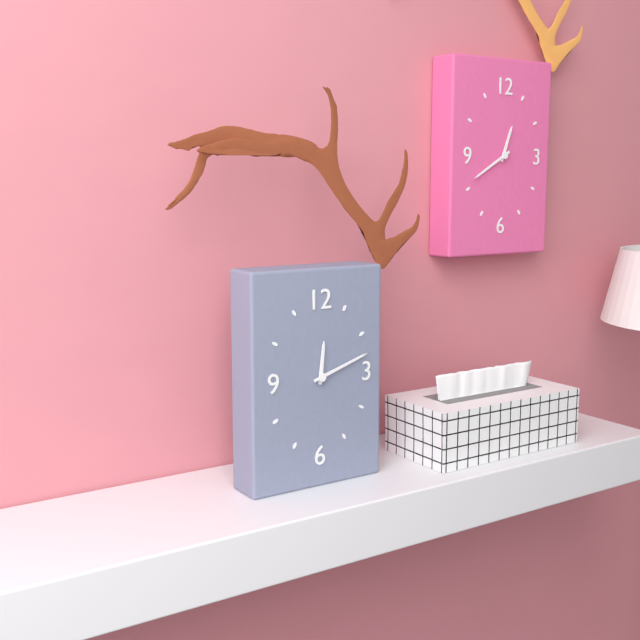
12:12
